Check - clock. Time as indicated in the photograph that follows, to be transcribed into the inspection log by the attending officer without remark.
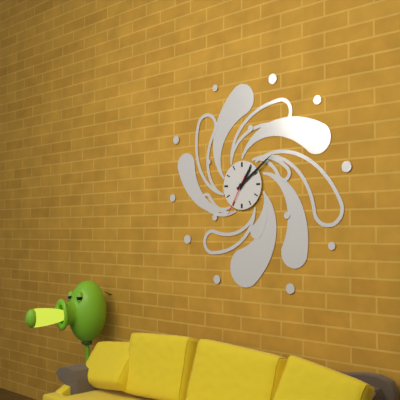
1:09
